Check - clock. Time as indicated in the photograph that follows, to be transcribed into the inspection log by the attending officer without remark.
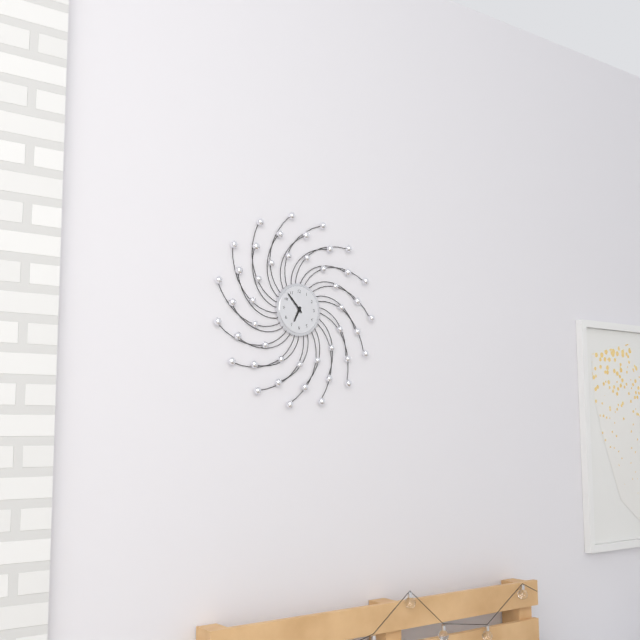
6:53
